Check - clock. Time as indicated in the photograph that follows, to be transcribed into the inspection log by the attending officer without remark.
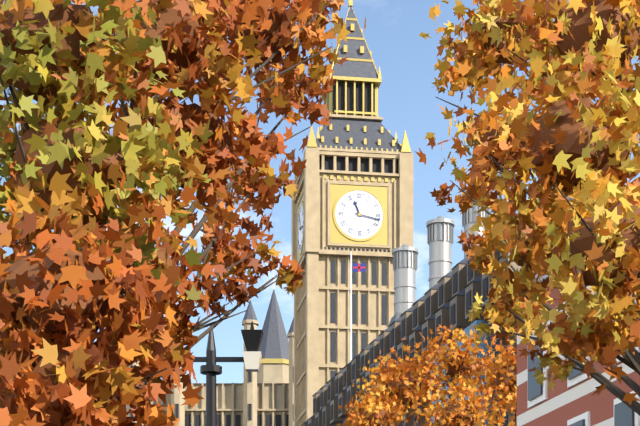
11:17
